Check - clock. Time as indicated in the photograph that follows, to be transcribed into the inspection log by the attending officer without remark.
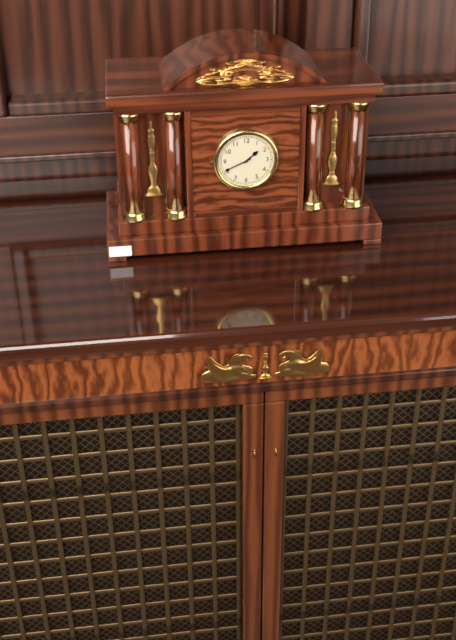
1:41
